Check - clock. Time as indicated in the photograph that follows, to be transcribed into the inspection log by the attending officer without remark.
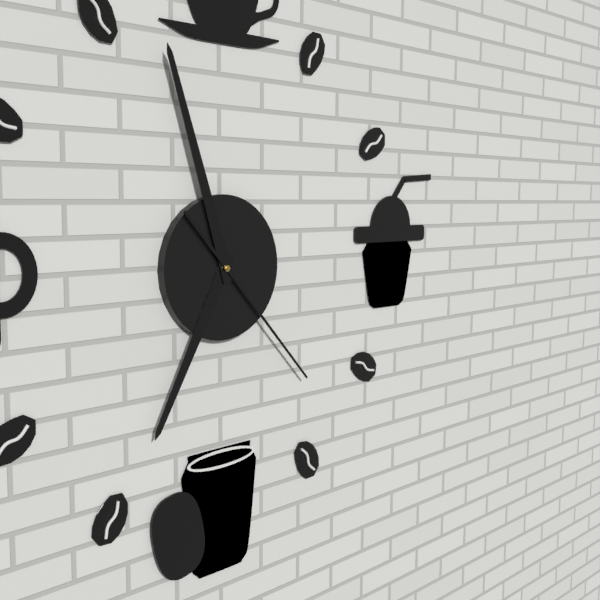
6:57:23
